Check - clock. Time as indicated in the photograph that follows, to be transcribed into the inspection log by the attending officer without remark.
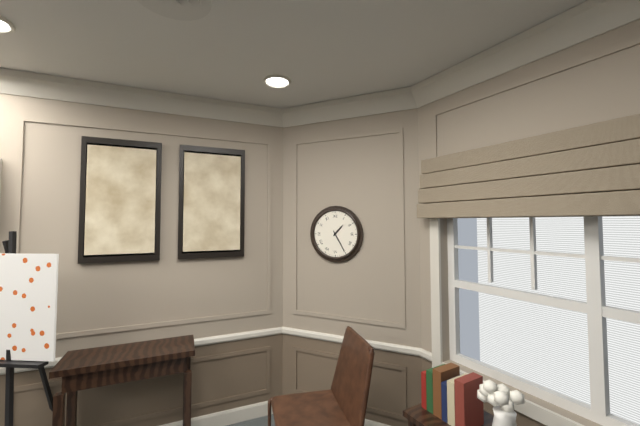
1:25
